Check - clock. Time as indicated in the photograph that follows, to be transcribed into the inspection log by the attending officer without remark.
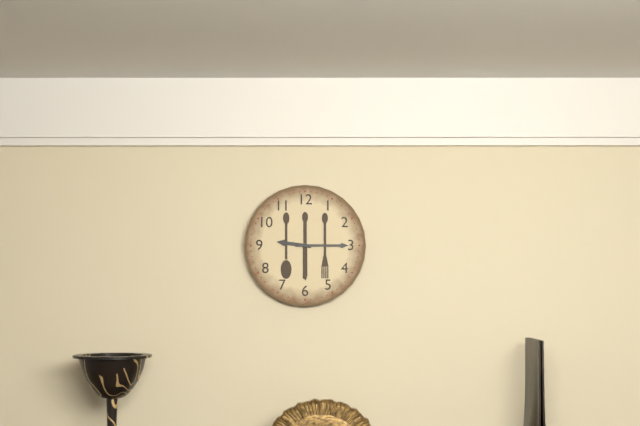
9:15
